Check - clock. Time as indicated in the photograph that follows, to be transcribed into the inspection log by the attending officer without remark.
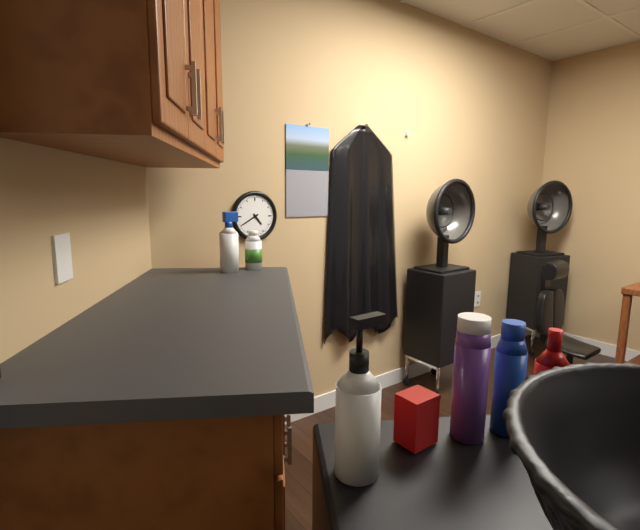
4:40
